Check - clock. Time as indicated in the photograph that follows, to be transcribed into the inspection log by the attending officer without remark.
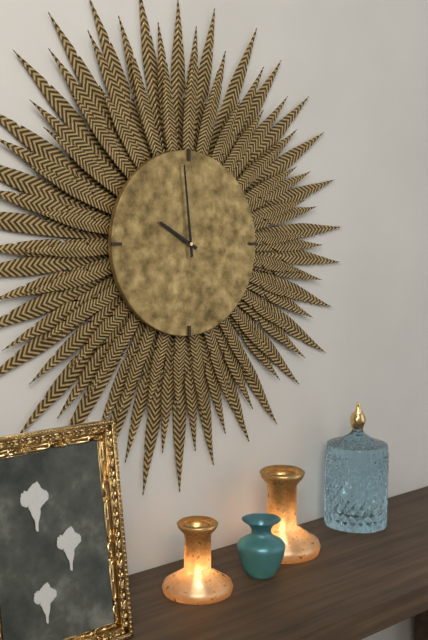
9:59
